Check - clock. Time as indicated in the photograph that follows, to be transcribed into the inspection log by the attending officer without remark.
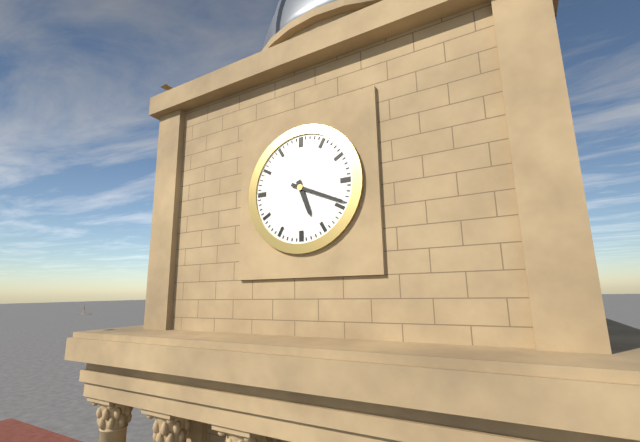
5:19
